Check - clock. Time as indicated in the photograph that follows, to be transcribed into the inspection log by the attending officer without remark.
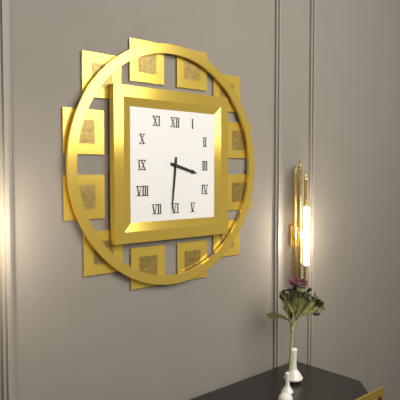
3:31
